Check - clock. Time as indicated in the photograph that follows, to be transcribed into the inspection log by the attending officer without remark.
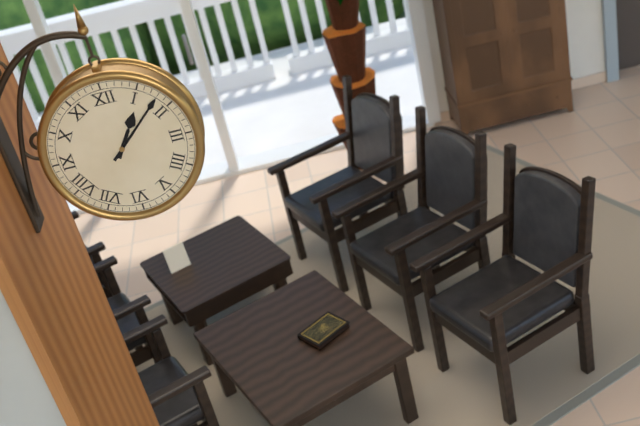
1:08
